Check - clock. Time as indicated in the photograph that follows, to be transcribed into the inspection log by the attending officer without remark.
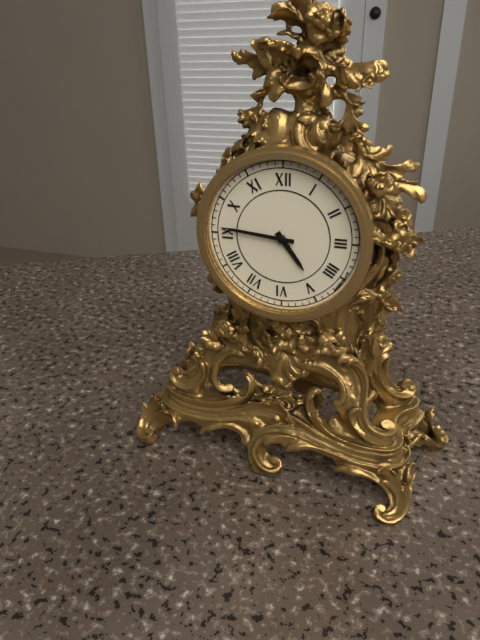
4:46
